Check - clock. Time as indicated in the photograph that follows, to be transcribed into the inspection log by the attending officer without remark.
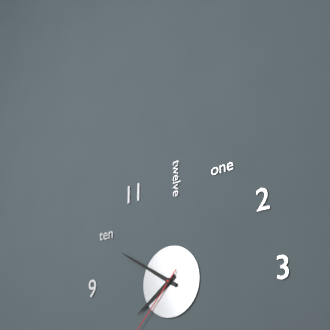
7:50
